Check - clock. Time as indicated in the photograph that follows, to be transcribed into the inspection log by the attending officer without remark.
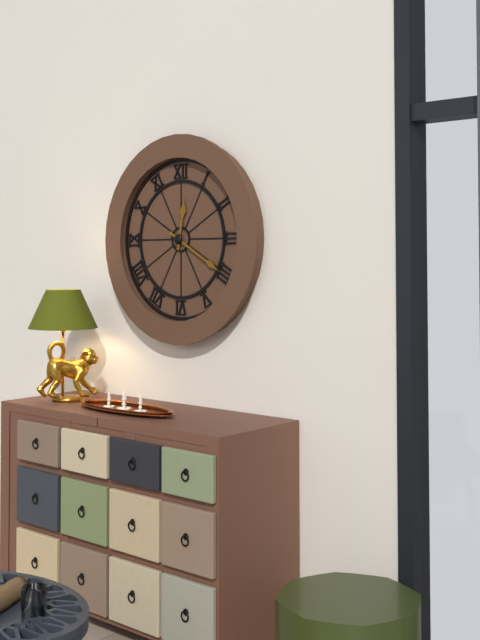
12:20
